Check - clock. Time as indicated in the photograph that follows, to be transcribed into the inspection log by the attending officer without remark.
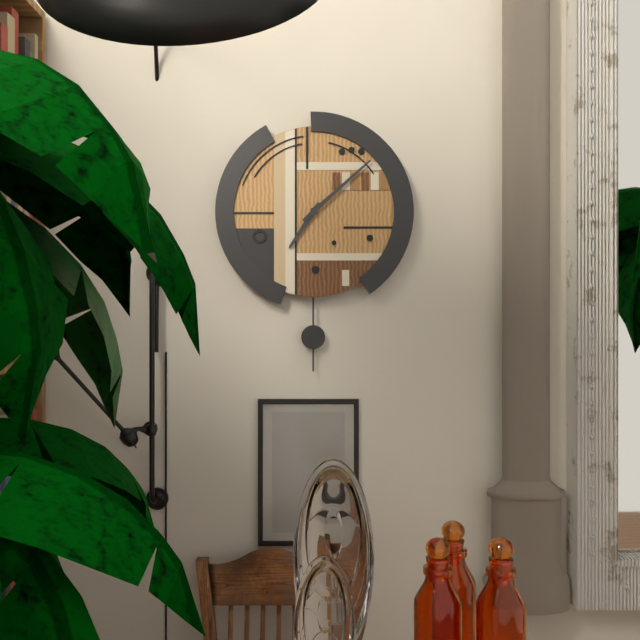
7:08
